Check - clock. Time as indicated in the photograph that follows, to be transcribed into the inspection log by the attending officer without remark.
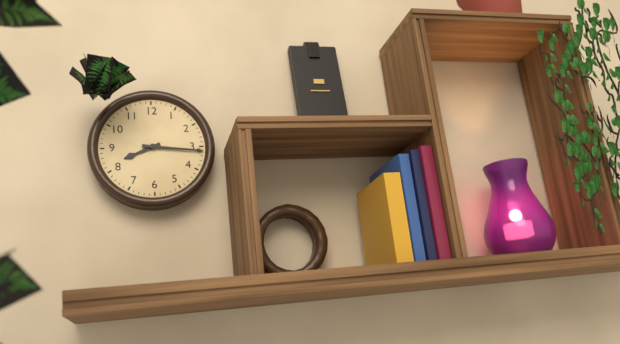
8:16
